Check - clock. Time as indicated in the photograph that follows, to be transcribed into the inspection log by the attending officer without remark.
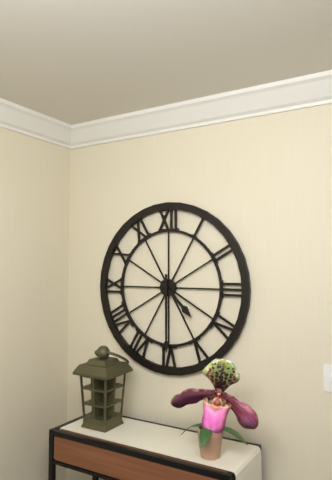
4:30
